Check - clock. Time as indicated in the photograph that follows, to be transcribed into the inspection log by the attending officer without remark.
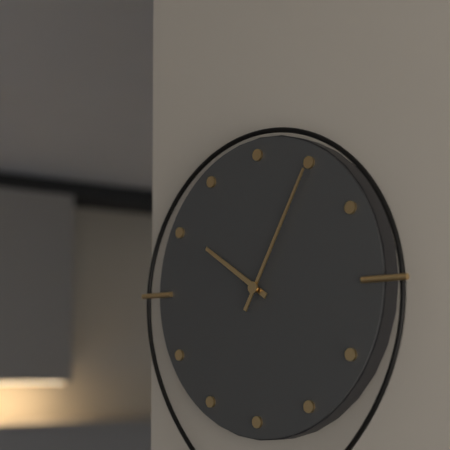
10:05
